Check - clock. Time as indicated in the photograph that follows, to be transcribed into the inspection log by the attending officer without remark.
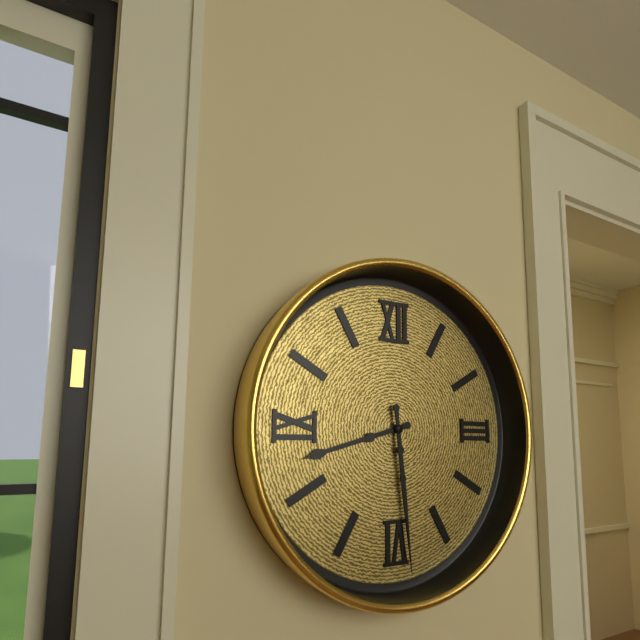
8:29
